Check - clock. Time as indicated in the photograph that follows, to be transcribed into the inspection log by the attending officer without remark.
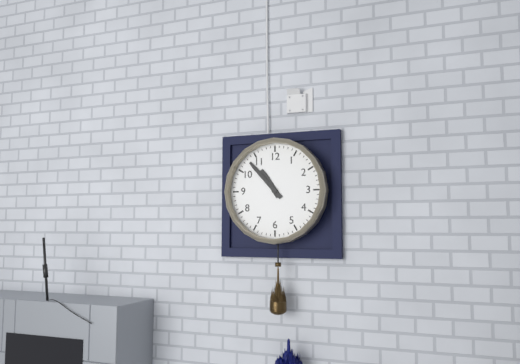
10:53
